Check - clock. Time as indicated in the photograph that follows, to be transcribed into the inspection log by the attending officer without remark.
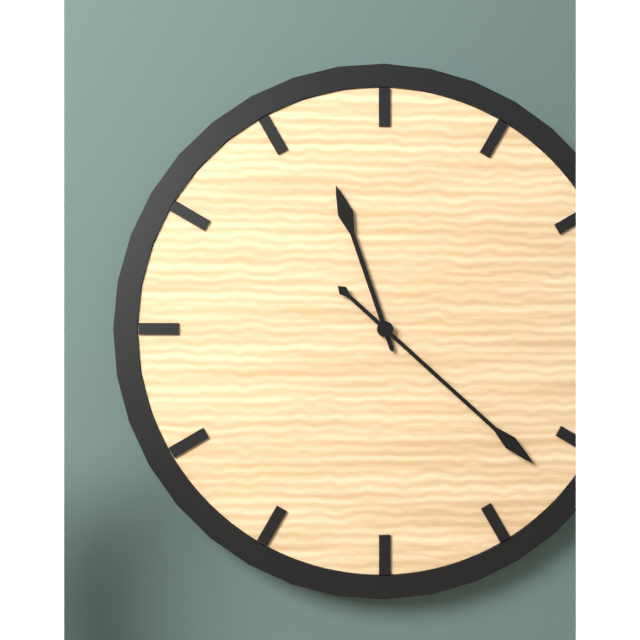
11:22
